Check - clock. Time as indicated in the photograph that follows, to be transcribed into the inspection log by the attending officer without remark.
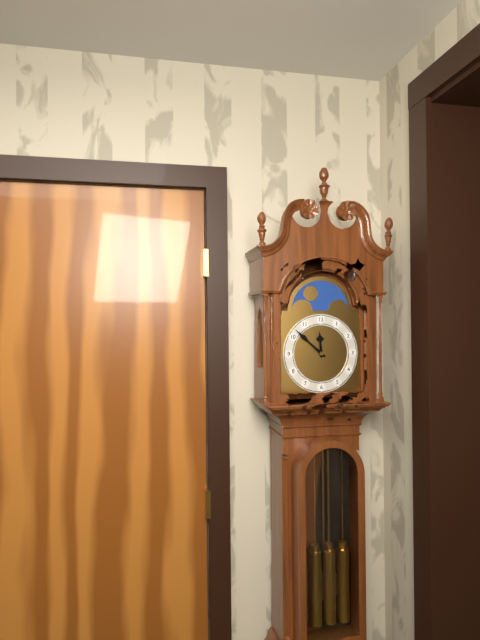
11:52
